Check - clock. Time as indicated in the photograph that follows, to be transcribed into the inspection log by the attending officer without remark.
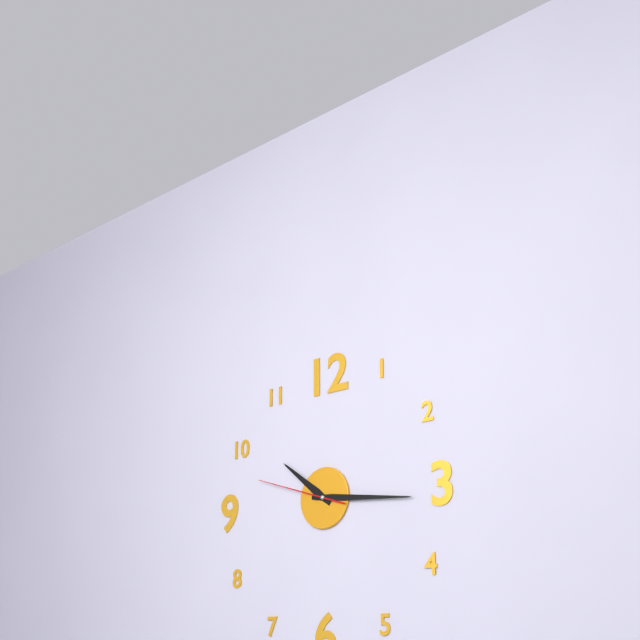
10:16:48
